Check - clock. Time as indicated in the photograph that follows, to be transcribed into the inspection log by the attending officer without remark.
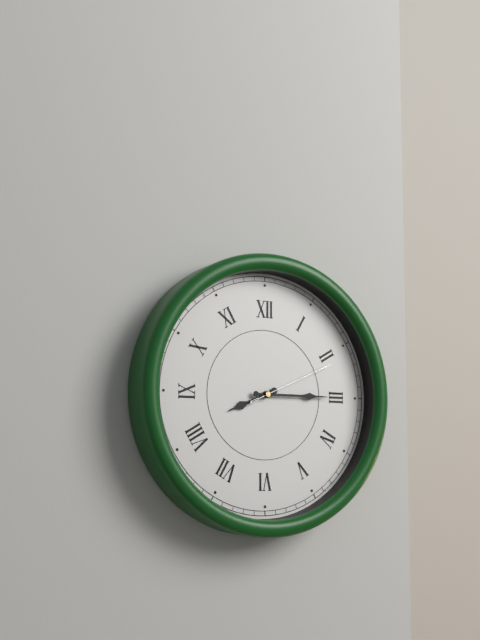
8:15:11
